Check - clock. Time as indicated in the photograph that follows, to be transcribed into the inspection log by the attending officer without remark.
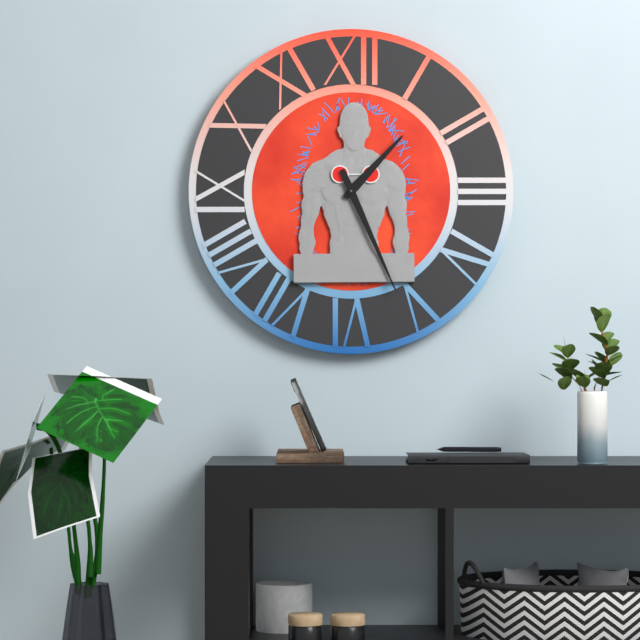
1:26
